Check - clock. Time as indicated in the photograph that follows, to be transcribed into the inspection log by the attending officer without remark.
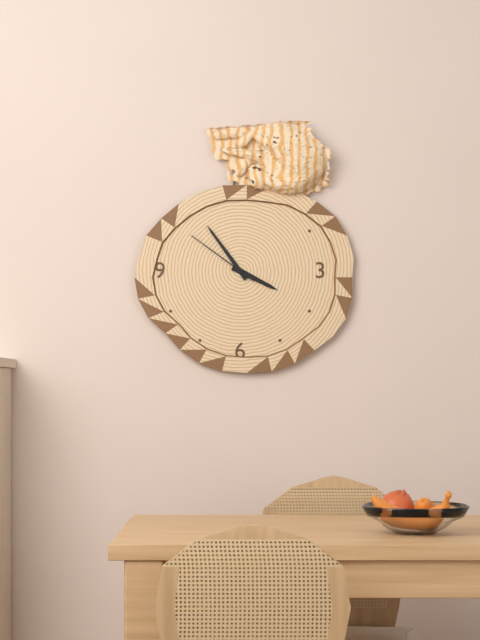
3:54:51
